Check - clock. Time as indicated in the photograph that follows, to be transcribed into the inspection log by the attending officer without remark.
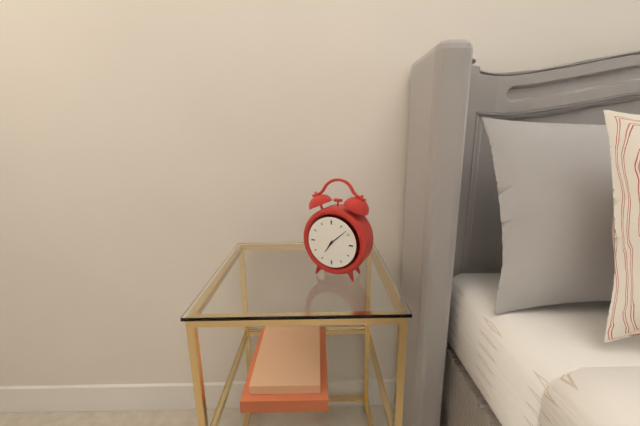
7:08
